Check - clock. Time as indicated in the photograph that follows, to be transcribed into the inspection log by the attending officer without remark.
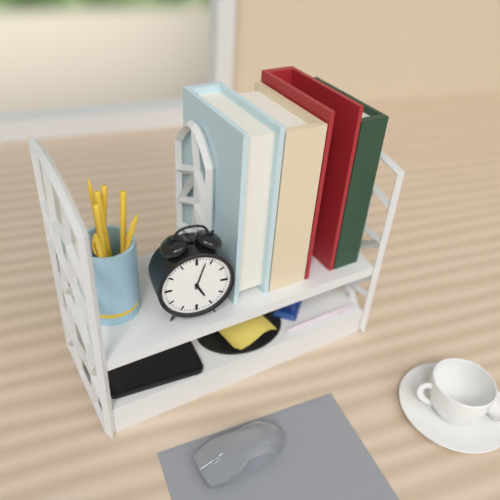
5:03
